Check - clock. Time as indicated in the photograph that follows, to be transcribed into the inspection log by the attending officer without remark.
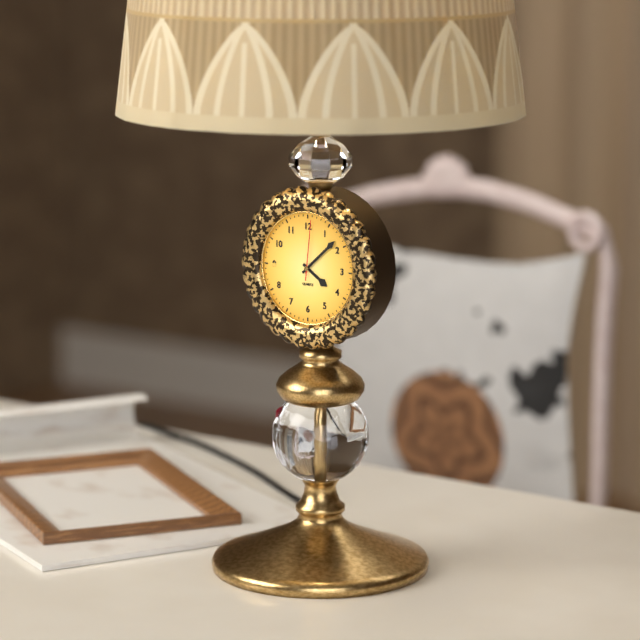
4:08:01
